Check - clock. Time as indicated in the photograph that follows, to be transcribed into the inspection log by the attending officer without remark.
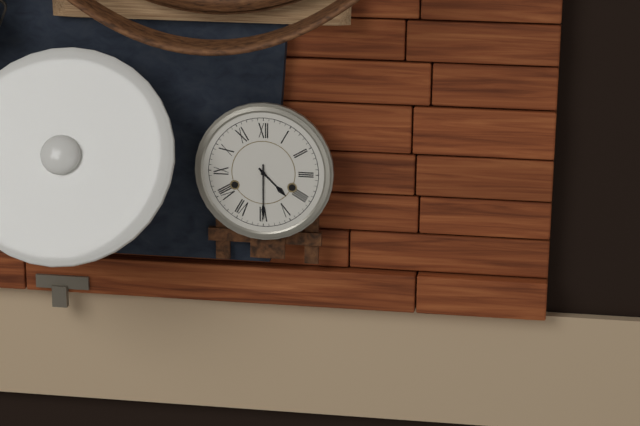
4:30
